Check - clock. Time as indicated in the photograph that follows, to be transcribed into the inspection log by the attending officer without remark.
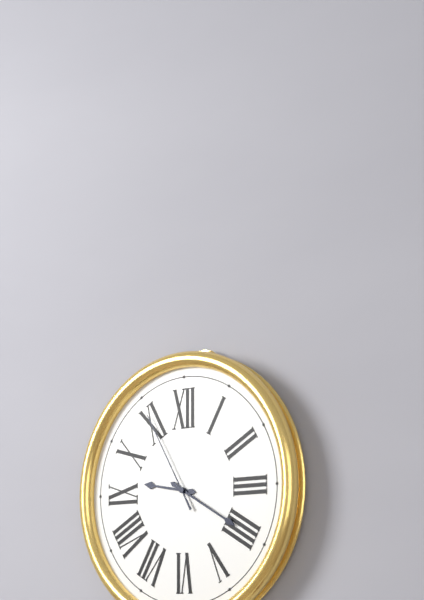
9:20:55
